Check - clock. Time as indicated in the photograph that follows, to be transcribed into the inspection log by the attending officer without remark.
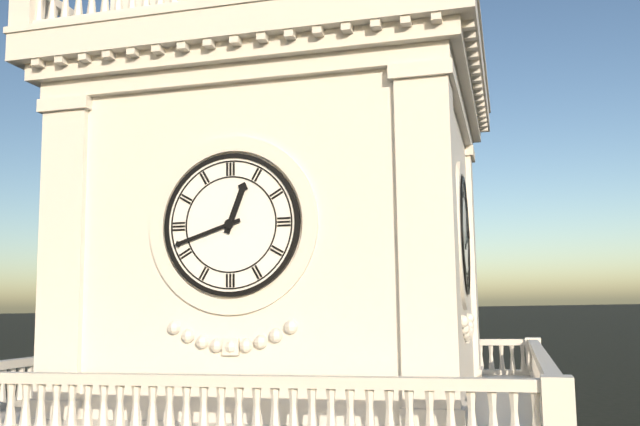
12:42
